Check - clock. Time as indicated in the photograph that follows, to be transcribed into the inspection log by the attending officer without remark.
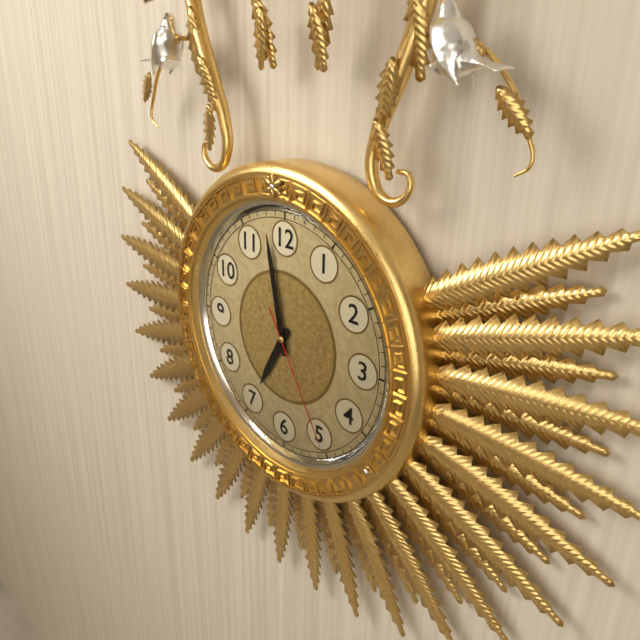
6:58:25
